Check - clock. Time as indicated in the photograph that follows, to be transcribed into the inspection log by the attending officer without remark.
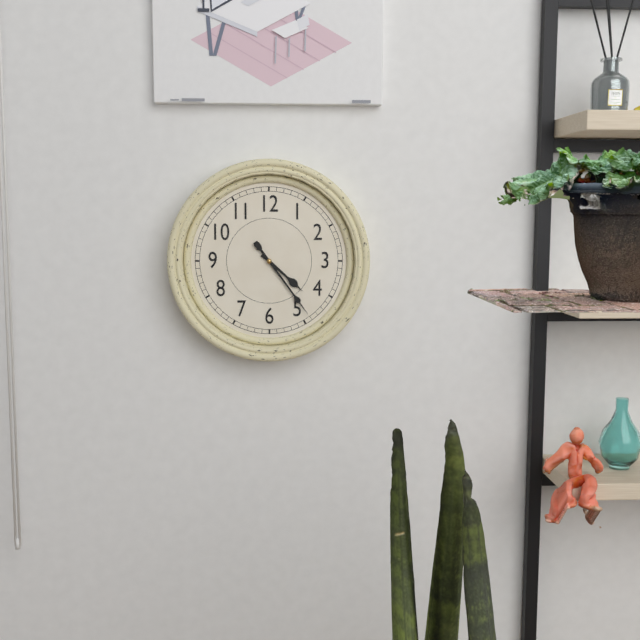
4:24
